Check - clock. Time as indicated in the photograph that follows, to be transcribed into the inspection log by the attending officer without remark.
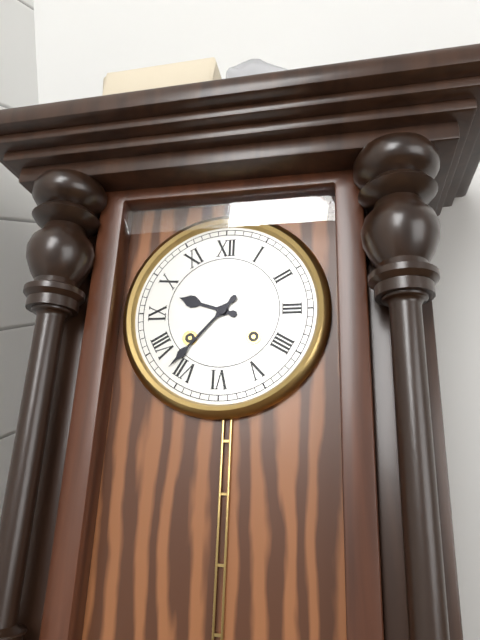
9:37
